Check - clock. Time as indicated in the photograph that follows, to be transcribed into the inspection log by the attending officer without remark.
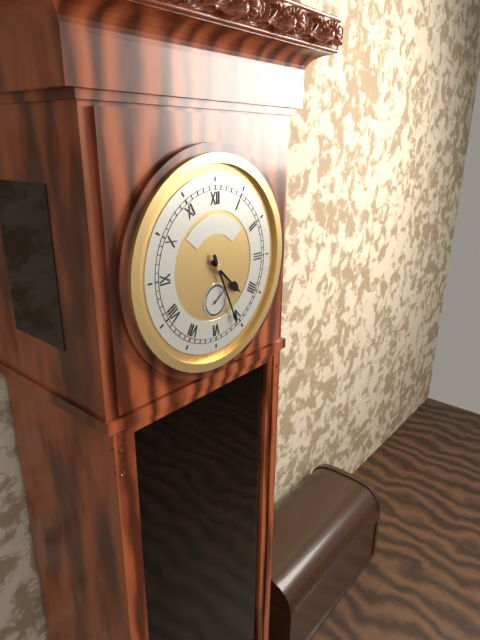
4:26
